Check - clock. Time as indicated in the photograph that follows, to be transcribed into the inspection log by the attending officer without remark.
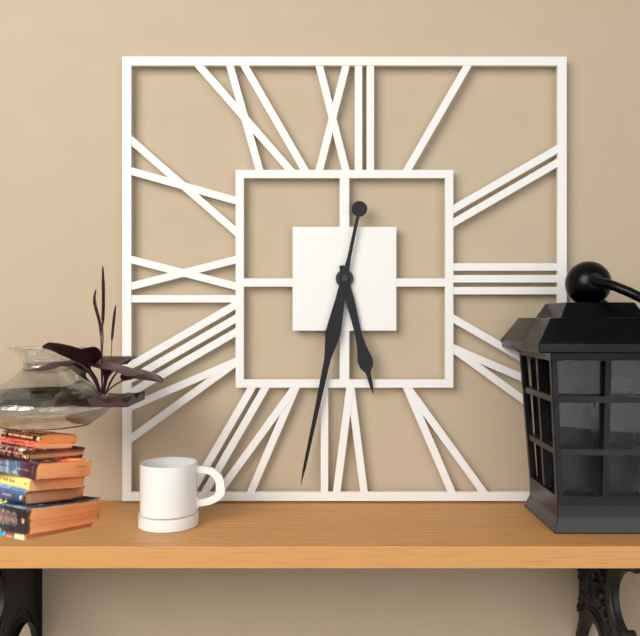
5:32
